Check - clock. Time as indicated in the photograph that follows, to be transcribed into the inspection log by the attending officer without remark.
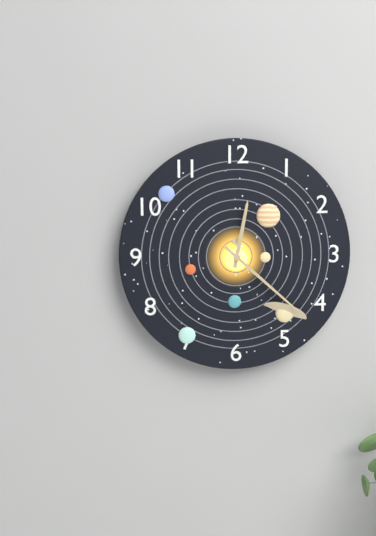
12:22
